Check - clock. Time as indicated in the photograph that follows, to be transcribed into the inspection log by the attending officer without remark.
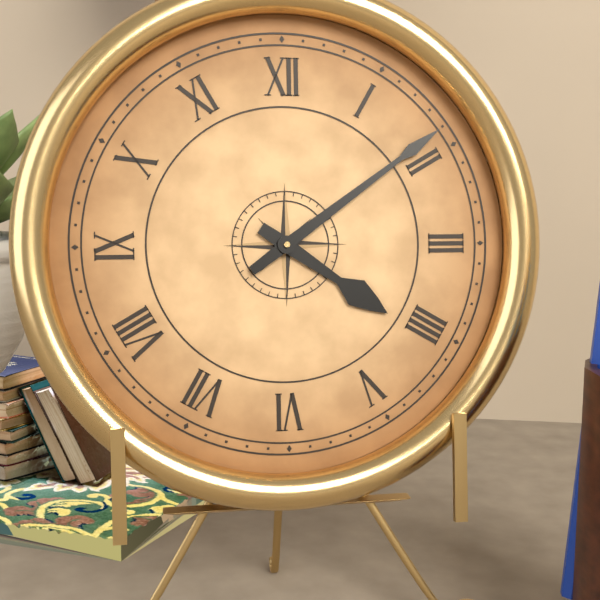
4:09
